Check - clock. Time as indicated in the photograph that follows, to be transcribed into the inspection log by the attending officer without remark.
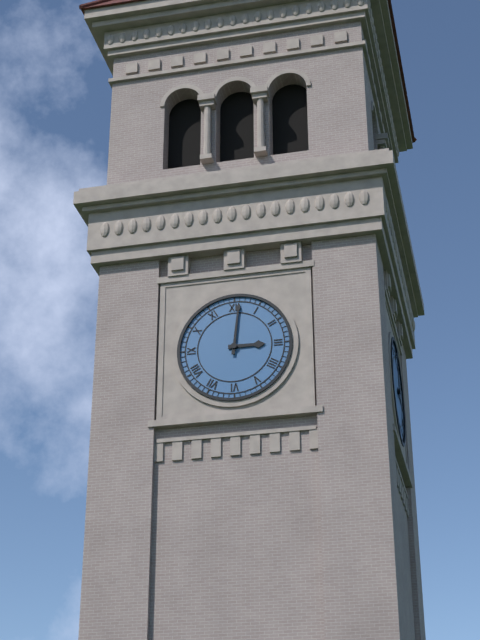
3:01
